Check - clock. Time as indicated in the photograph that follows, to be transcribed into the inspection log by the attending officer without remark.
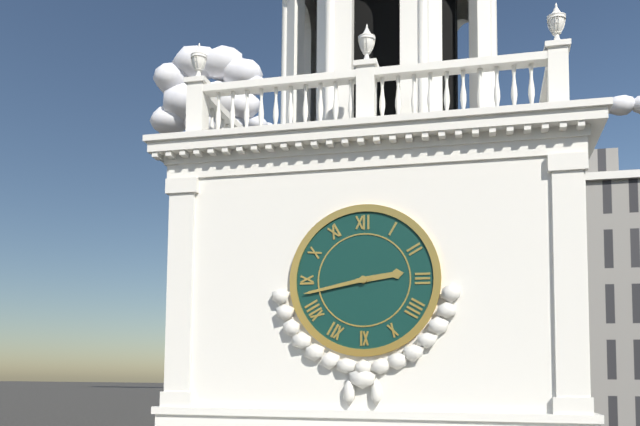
2:43
